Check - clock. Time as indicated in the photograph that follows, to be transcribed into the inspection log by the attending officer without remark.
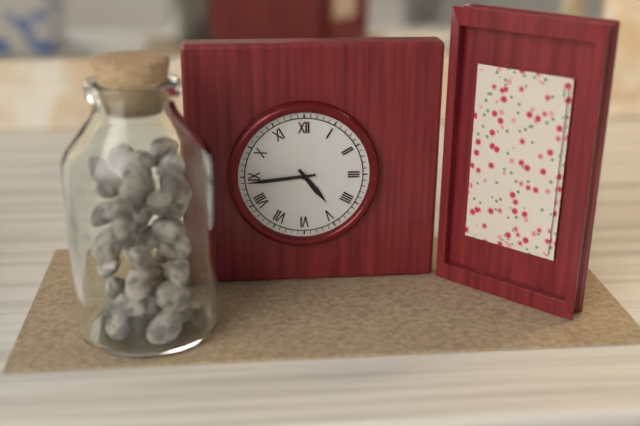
4:44
